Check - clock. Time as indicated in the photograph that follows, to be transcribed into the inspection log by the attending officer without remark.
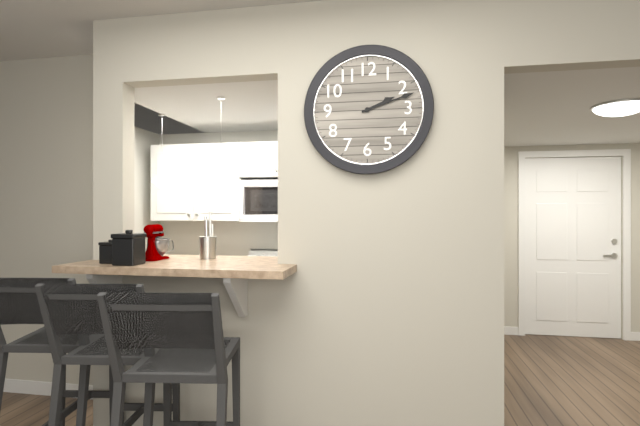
2:12
